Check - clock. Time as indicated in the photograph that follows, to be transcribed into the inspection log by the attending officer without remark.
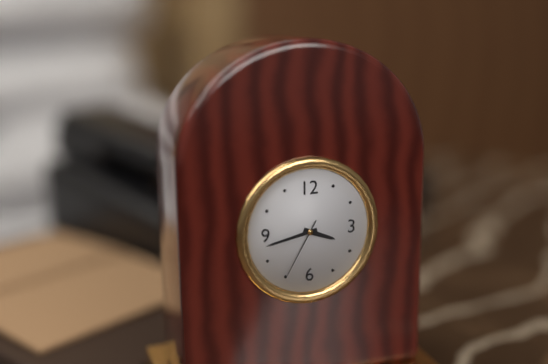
3:43:35
